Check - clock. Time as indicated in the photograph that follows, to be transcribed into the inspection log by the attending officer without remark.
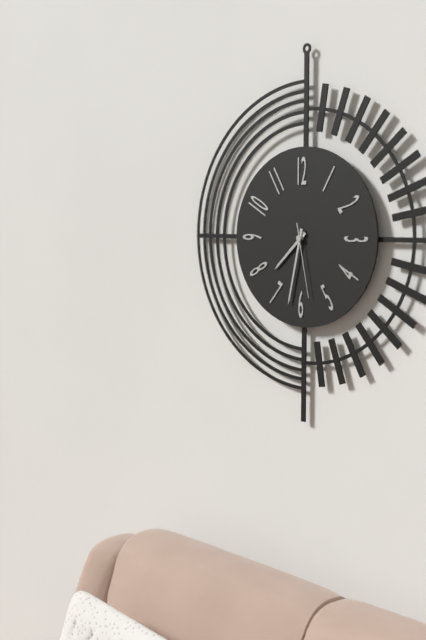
7:32:28
